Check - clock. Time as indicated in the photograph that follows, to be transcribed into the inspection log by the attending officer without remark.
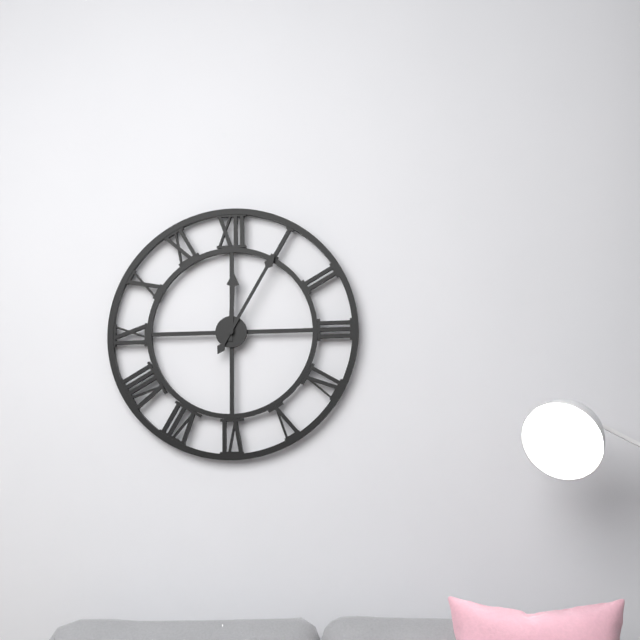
12:05
